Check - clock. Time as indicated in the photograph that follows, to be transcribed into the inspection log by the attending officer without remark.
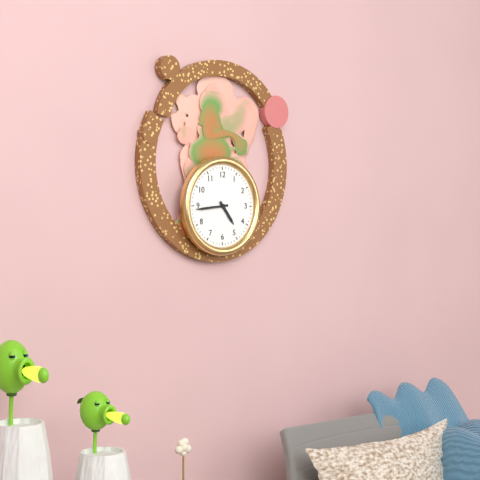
4:44
